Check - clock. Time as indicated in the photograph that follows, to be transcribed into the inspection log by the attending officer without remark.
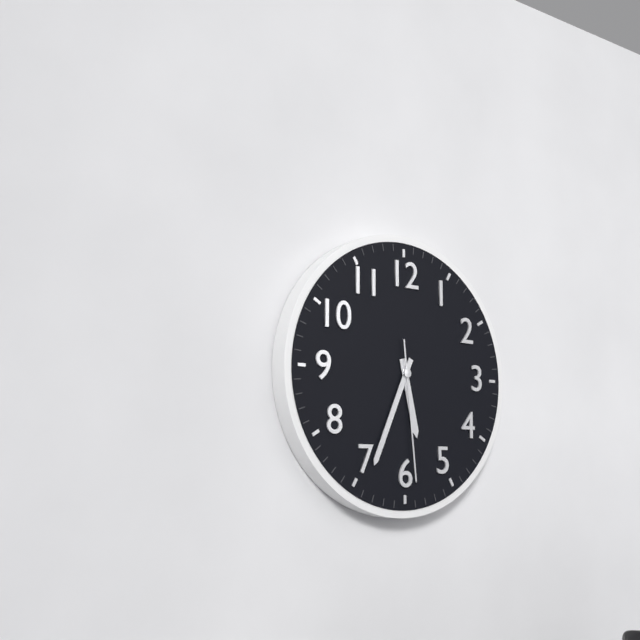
5:34:29
